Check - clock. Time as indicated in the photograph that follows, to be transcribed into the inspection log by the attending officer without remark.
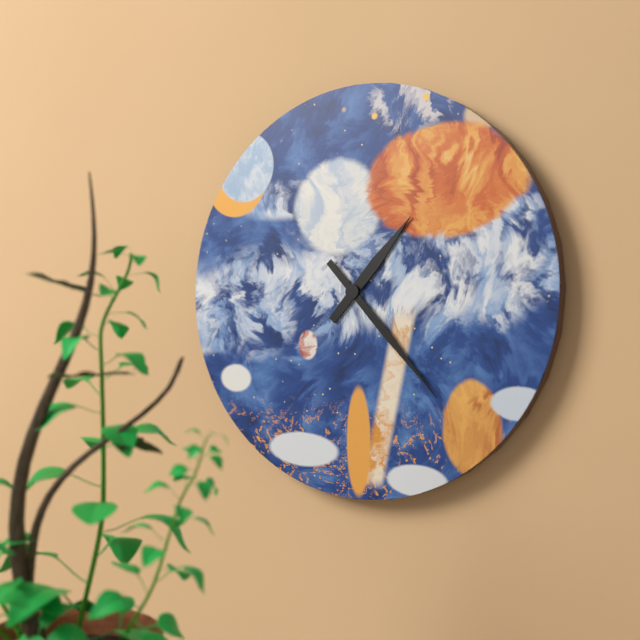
1:23
